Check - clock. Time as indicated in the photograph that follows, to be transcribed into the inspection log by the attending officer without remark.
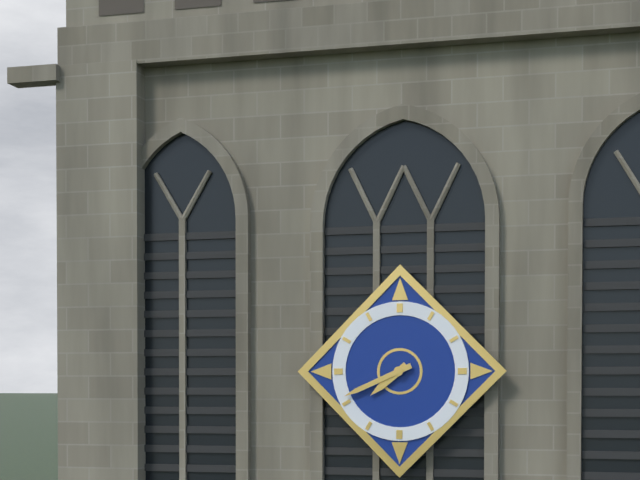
7:41
